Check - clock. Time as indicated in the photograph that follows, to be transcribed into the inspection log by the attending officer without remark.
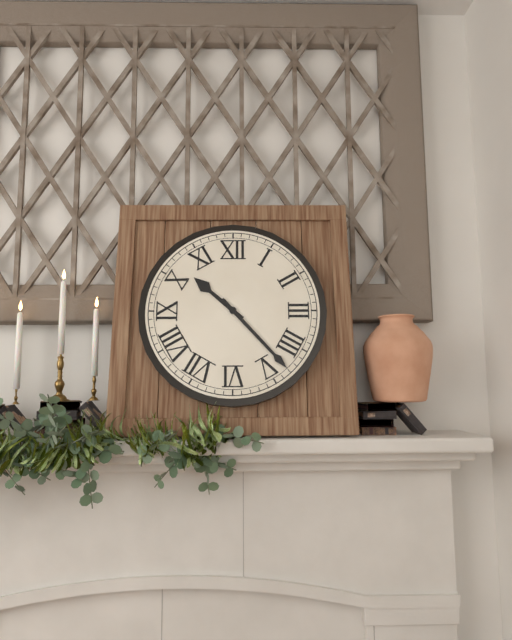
10:23
